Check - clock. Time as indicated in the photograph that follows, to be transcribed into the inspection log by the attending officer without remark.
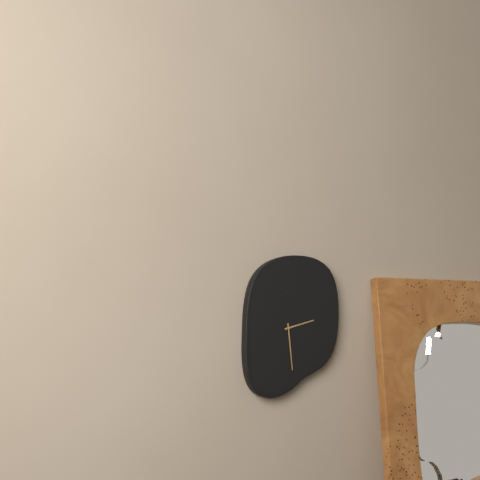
2:29
